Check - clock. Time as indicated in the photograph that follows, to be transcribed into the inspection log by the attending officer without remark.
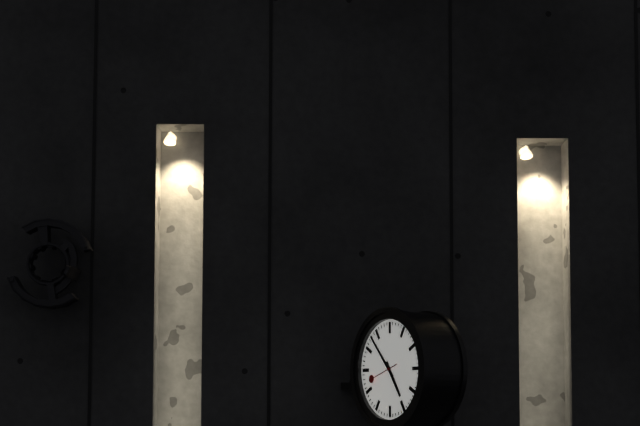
4:53
